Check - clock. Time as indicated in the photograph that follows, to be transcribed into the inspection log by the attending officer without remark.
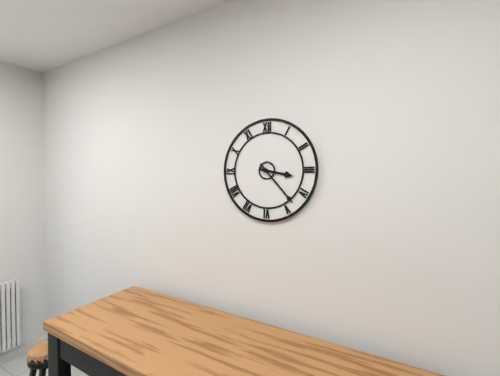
3:23
